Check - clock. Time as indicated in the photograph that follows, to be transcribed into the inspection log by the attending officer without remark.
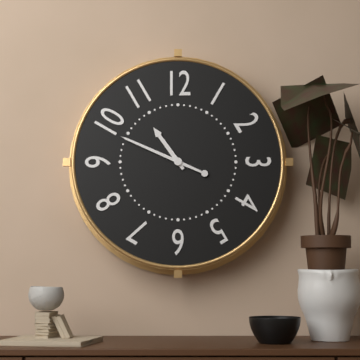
10:49
